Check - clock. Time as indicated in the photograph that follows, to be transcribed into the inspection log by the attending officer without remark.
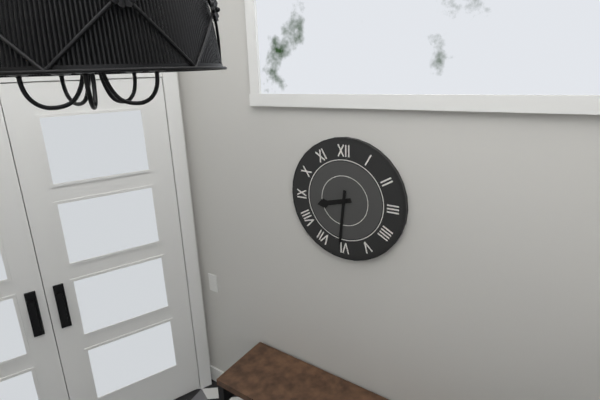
8:31
